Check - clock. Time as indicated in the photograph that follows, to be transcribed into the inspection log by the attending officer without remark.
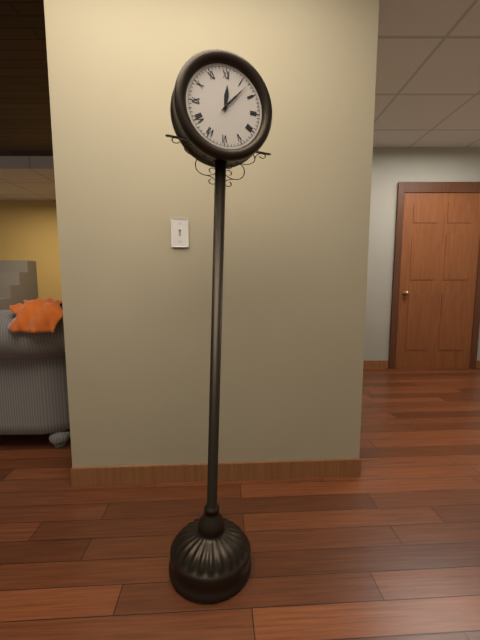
12:07
